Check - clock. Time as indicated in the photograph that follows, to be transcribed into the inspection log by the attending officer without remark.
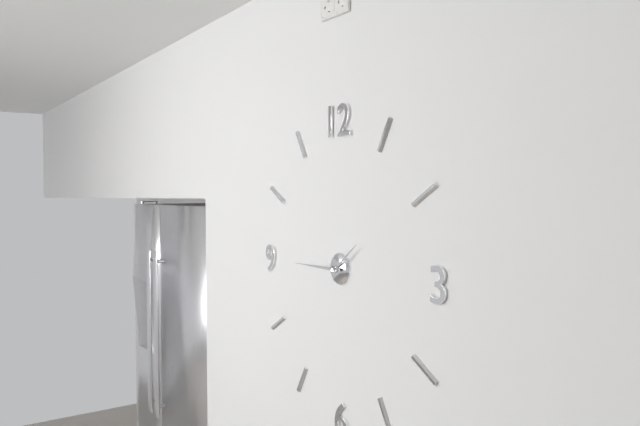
1:45
